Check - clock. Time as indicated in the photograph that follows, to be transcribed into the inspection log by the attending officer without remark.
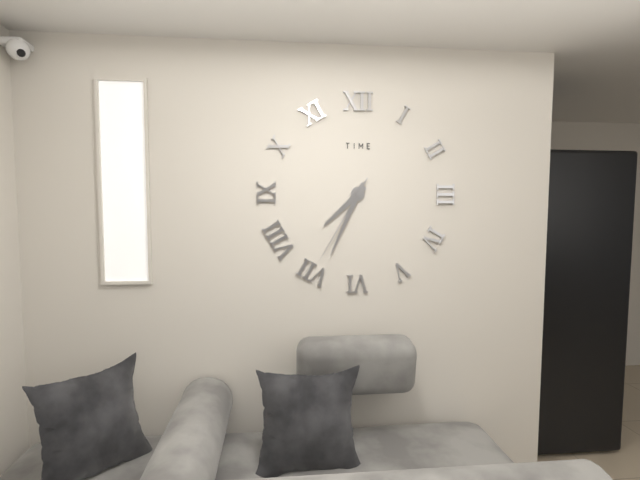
7:34:35
